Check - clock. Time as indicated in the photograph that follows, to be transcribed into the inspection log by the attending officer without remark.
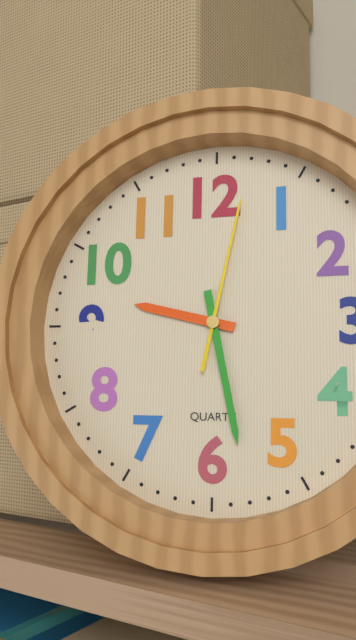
9:28:02
